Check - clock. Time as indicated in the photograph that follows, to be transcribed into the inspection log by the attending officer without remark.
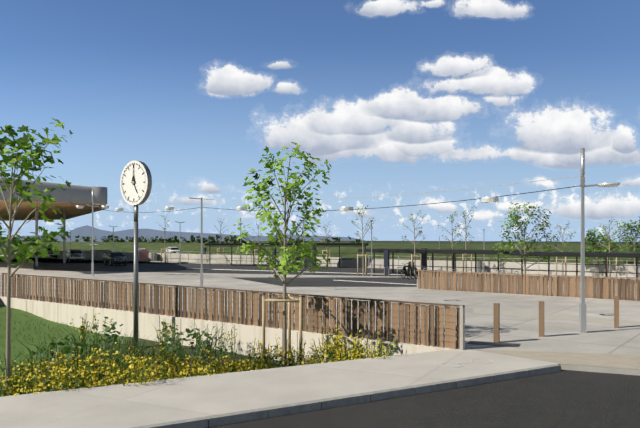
5:00
